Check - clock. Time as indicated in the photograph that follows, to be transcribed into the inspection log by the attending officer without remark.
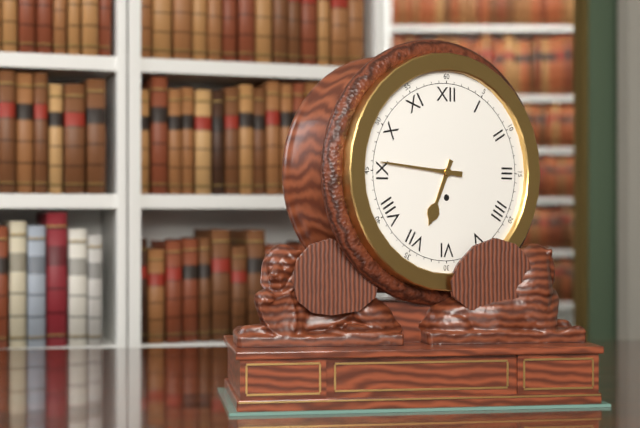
6:46
